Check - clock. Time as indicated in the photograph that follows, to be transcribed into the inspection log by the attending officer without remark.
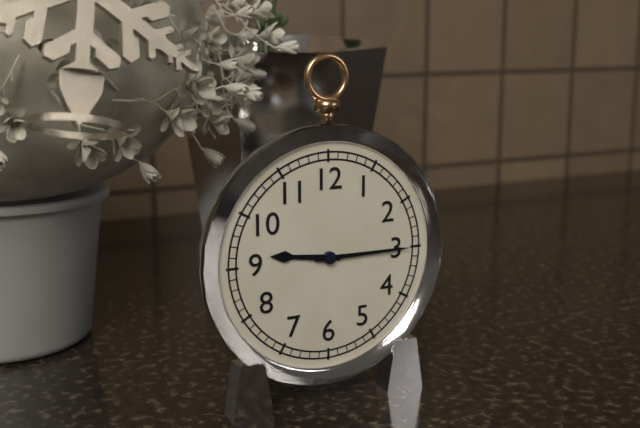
9:15
